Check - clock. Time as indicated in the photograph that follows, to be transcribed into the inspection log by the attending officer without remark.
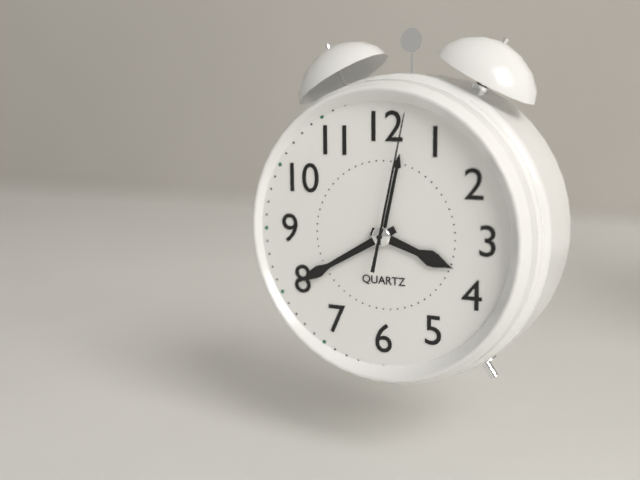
3:40:02
